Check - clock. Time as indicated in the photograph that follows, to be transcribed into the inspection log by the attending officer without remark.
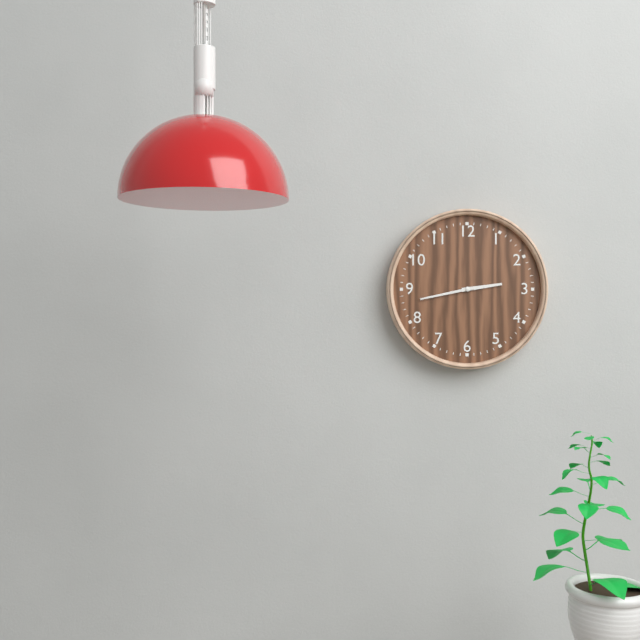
2:43
